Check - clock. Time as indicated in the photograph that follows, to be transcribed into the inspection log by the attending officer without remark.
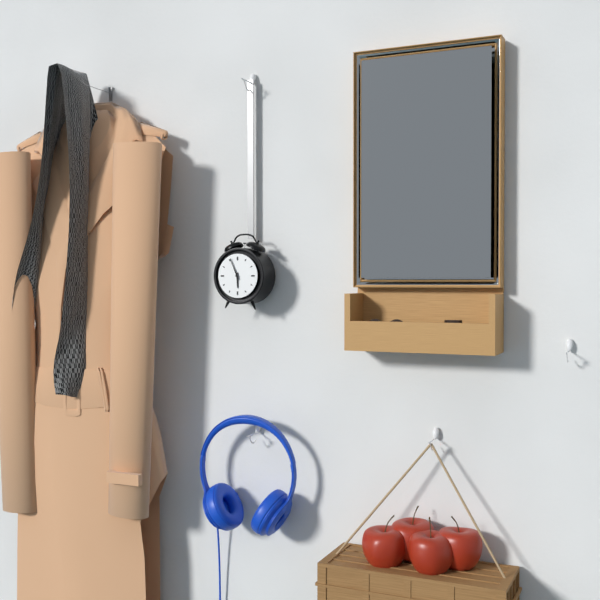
5:56
